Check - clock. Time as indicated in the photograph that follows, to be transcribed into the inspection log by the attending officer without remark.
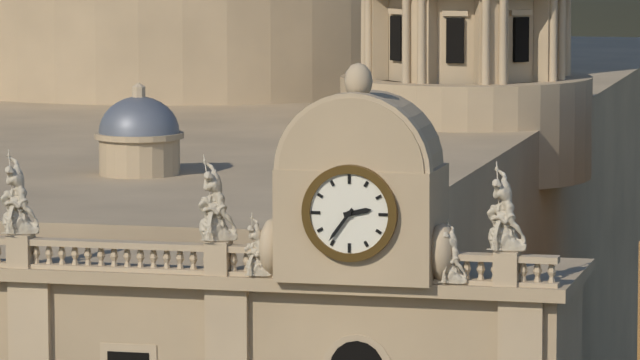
2:36
